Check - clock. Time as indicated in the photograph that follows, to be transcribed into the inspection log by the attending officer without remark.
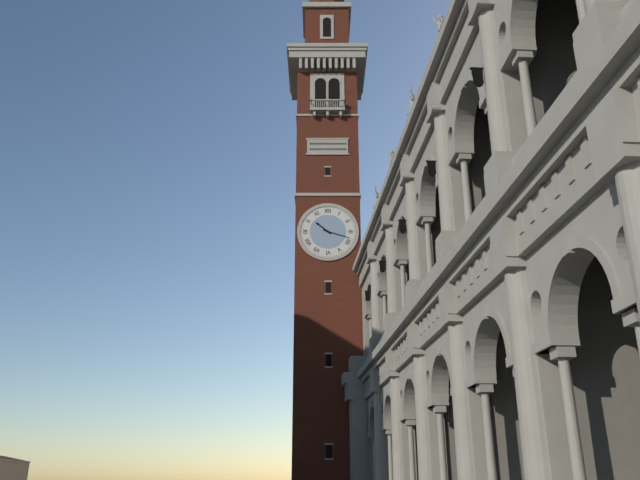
10:18
